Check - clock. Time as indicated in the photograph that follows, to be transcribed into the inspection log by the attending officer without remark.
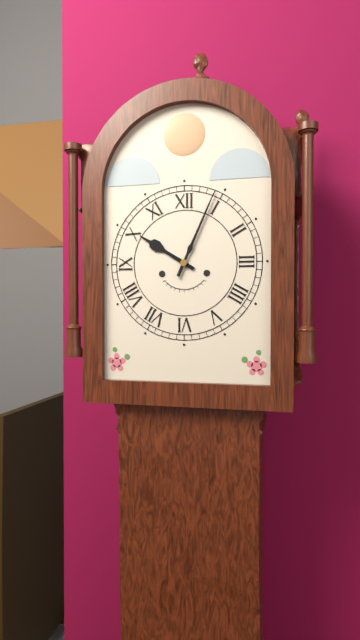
10:04
